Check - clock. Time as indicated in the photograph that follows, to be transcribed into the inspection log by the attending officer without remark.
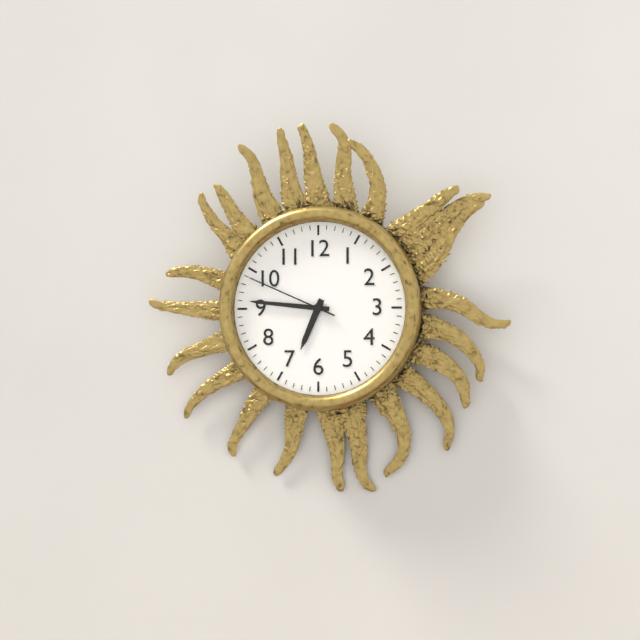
6:46:49
